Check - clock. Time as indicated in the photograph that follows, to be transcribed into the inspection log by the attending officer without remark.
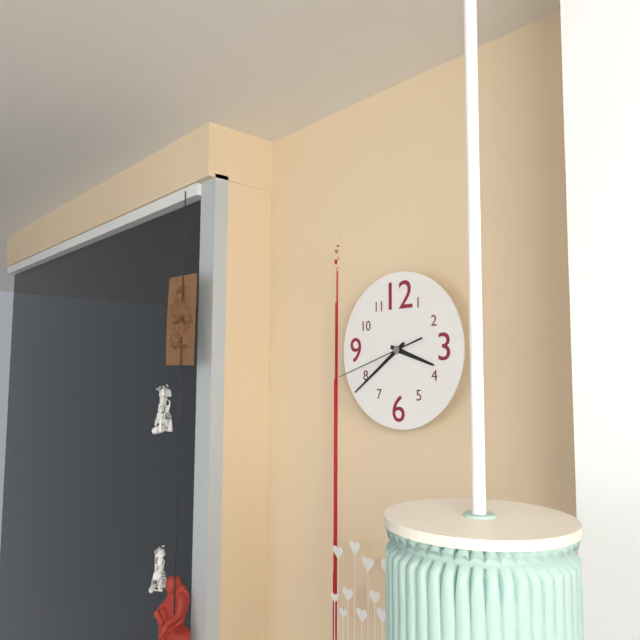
3:39:42
